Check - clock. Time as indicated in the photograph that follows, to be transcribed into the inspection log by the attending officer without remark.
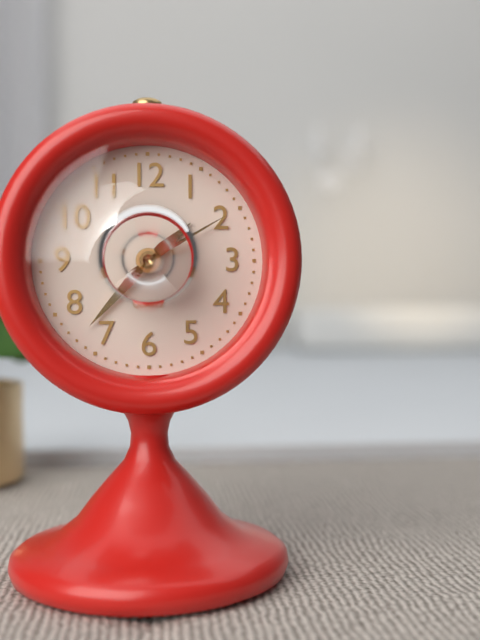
1:37:10
